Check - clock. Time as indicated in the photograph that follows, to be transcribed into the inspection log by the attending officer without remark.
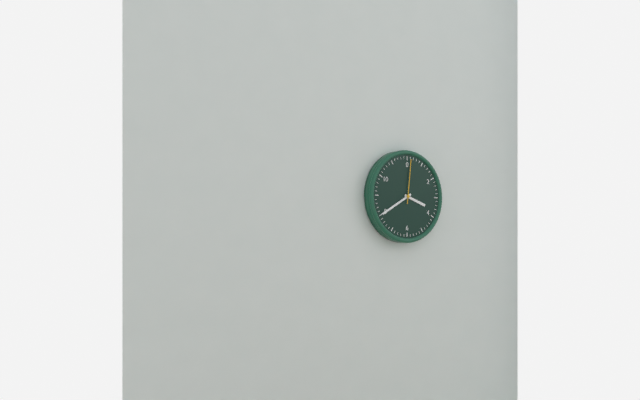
3:40
